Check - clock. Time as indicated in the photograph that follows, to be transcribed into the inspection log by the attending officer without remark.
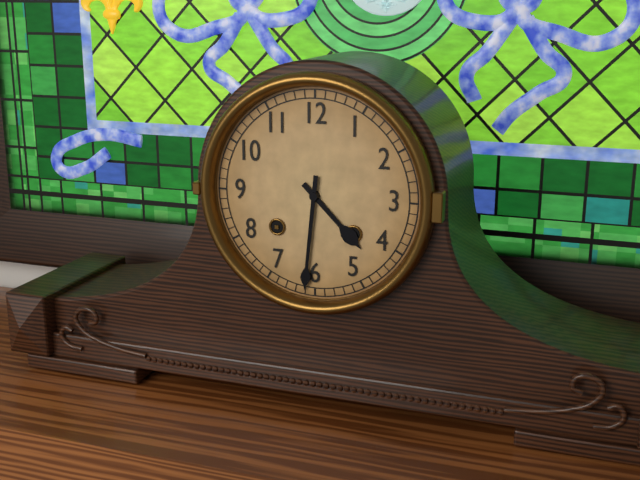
4:31
